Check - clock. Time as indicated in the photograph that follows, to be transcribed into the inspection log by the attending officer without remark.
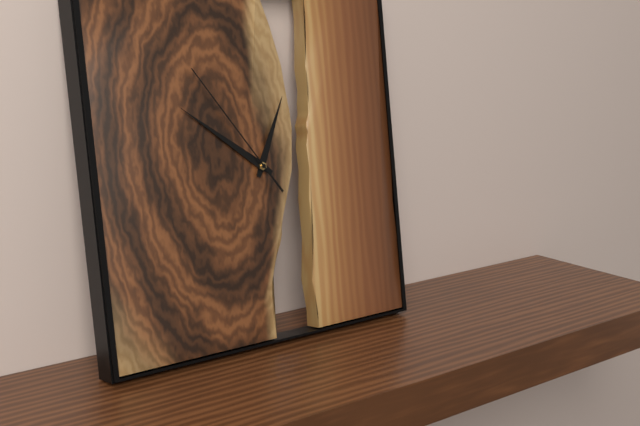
12:51:54
